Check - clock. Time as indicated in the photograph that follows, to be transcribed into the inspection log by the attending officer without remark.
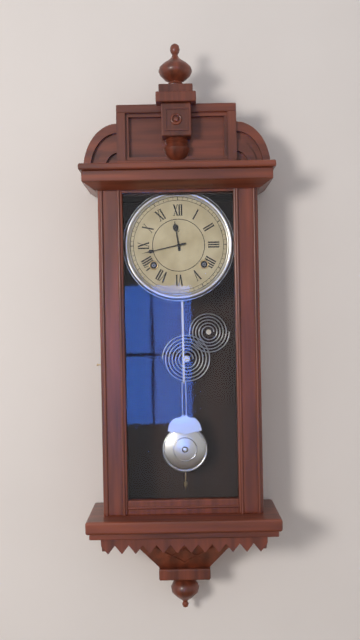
11:43
